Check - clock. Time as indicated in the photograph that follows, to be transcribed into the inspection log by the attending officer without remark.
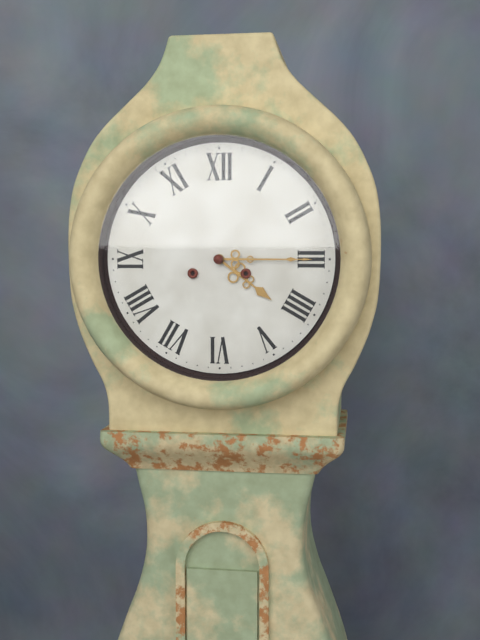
4:15
